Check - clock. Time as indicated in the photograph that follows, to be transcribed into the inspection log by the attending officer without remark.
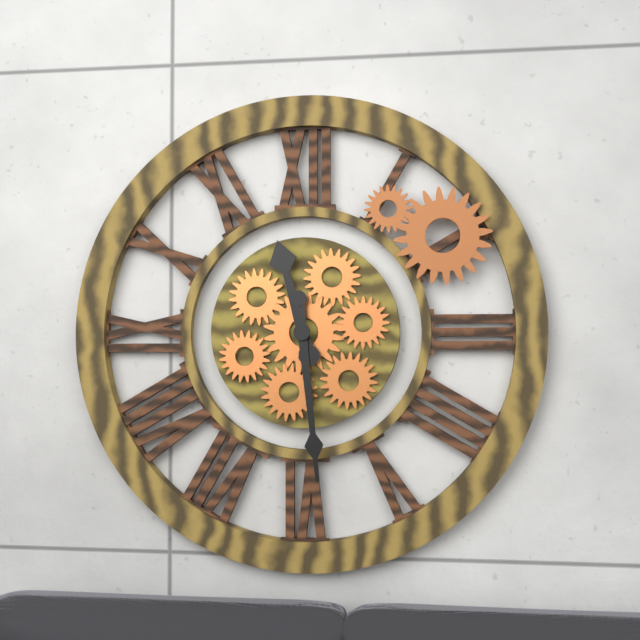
11:29
